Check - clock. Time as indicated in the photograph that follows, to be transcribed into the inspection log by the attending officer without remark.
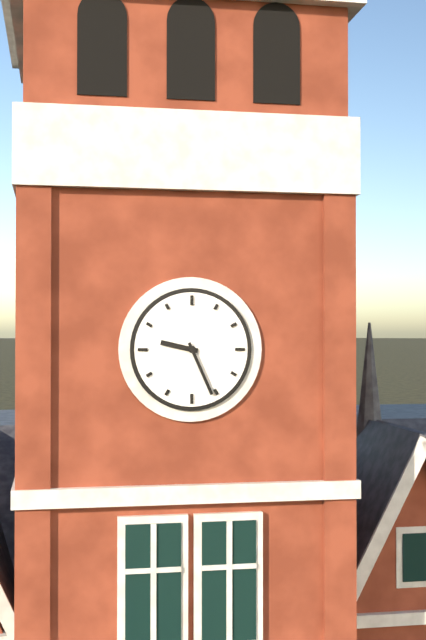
9:26
